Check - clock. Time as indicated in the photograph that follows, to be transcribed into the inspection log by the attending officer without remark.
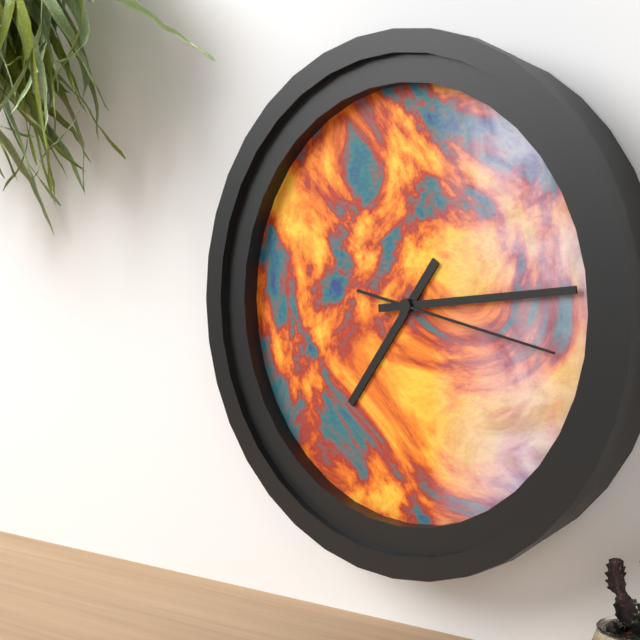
7:14:17
